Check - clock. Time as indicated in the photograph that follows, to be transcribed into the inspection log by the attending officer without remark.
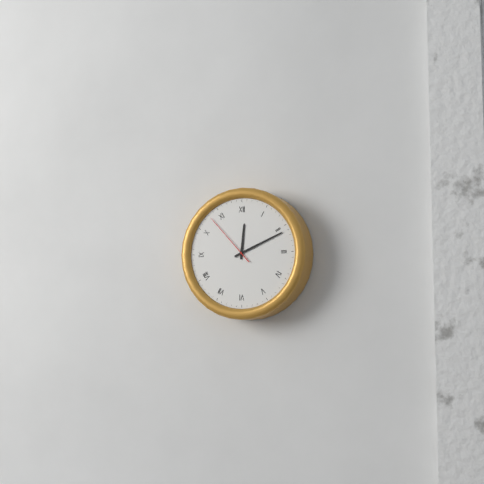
12:11:53
